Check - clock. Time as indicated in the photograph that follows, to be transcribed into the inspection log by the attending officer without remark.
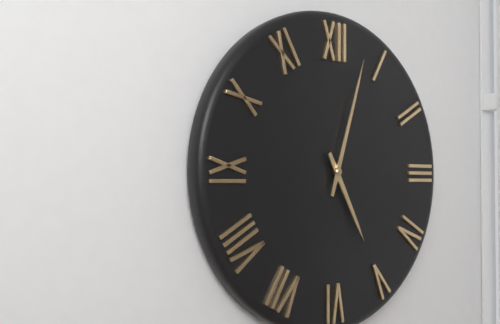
5:03
